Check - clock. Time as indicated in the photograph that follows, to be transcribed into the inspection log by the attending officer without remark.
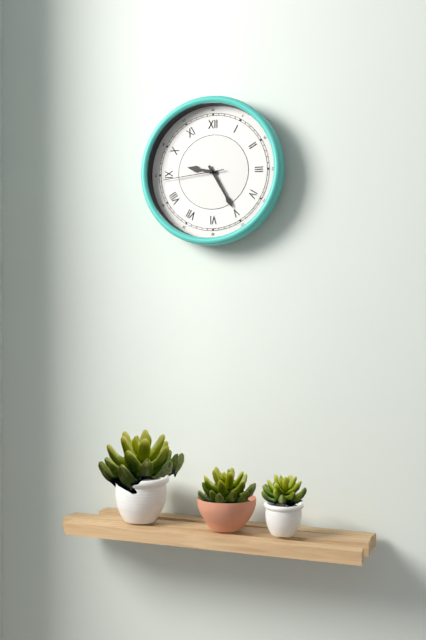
9:25:44
